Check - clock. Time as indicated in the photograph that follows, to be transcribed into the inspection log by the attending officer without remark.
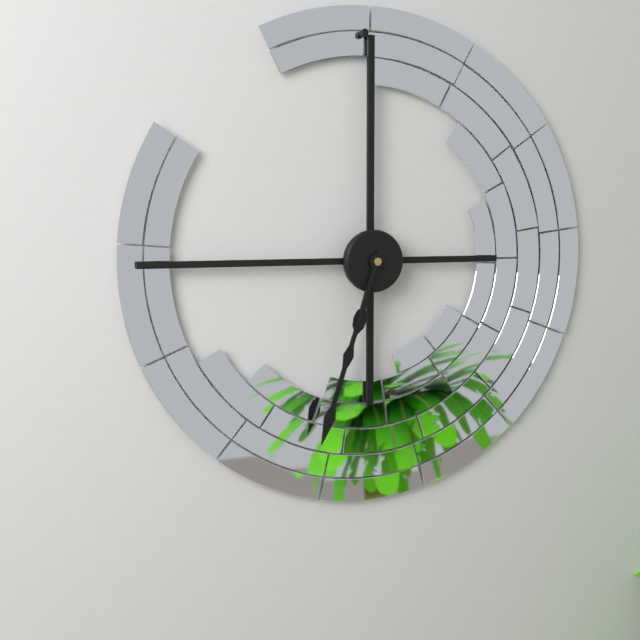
6:33
